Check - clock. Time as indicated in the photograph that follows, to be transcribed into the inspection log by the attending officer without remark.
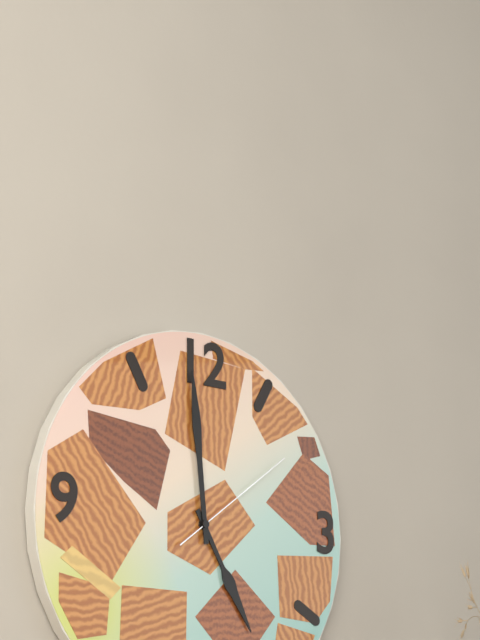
4:59:09
